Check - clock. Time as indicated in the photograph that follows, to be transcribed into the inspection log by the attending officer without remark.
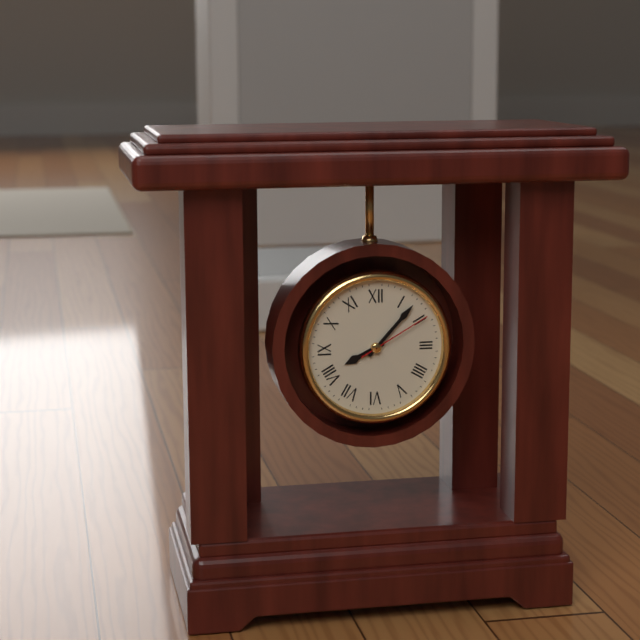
8:07:10
